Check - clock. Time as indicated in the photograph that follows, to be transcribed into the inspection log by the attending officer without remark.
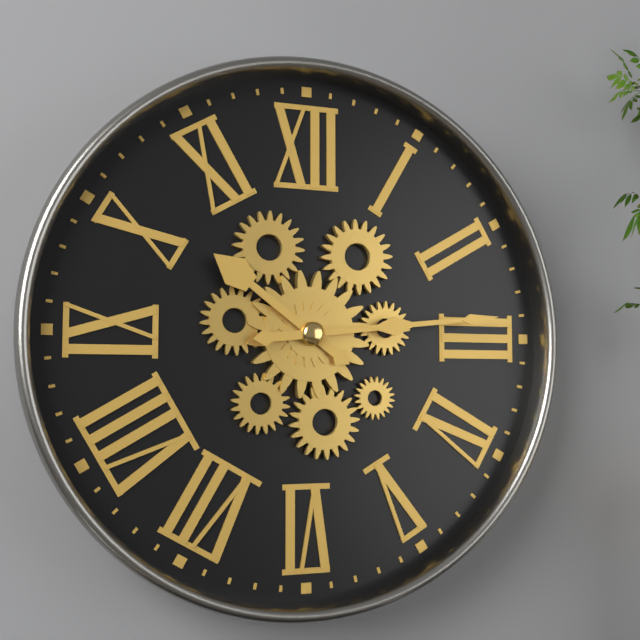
10:14
